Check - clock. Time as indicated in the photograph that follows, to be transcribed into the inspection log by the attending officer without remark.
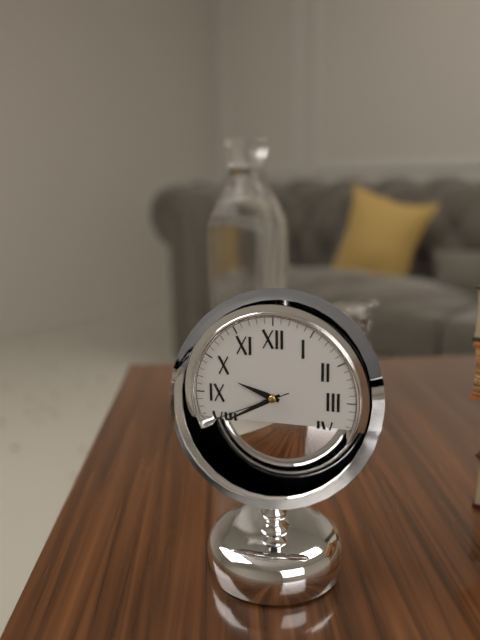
9:40:41
